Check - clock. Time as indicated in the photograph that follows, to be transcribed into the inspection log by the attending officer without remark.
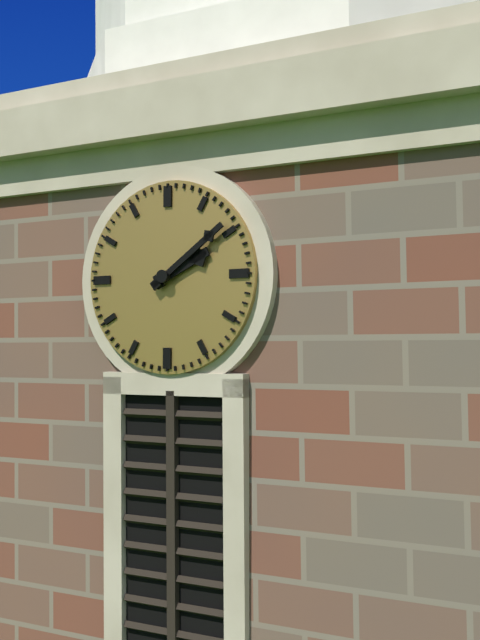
2:09
